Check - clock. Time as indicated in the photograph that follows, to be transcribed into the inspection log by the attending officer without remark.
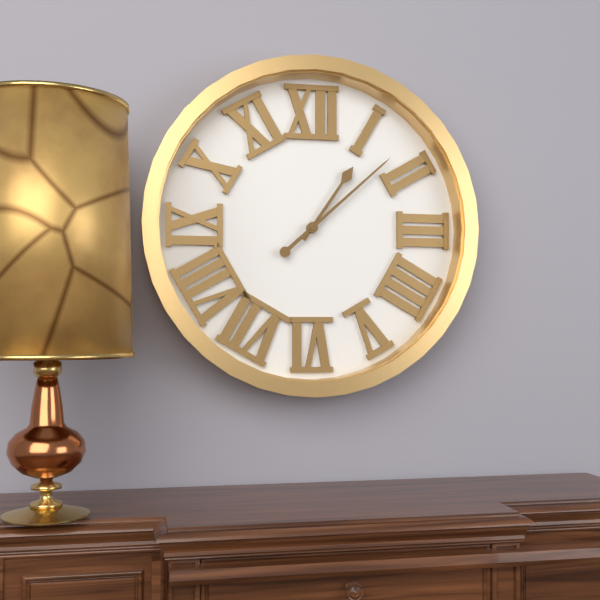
1:08
